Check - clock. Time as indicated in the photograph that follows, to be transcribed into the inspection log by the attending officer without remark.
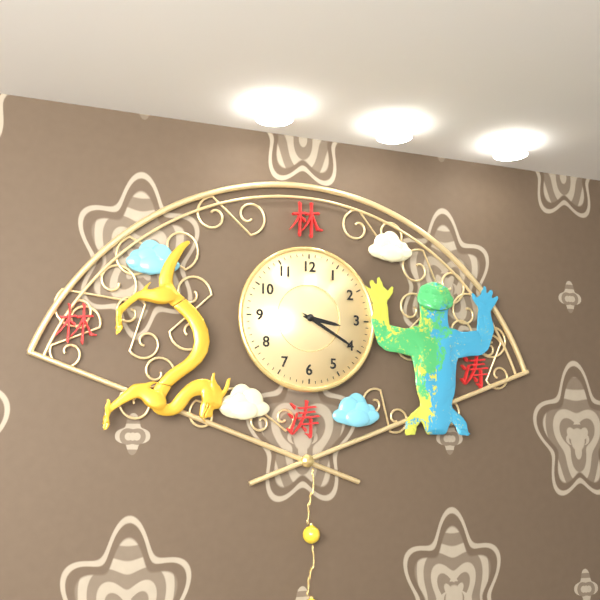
3:20
